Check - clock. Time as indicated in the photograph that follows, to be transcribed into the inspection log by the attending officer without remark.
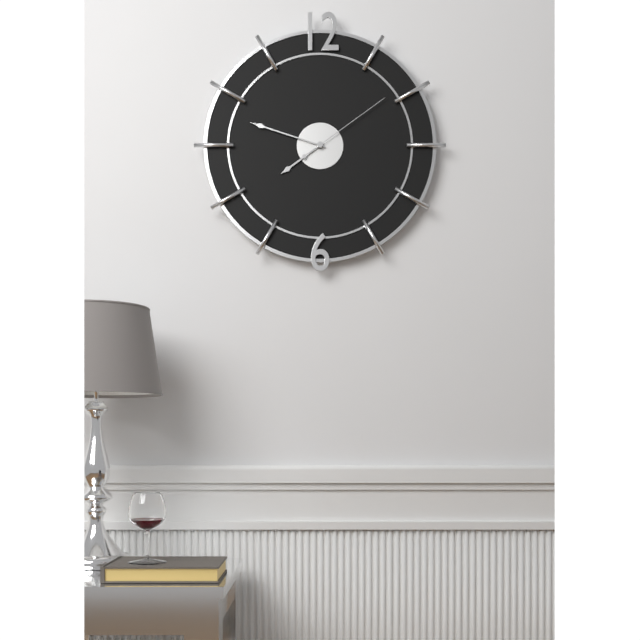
7:48:09
